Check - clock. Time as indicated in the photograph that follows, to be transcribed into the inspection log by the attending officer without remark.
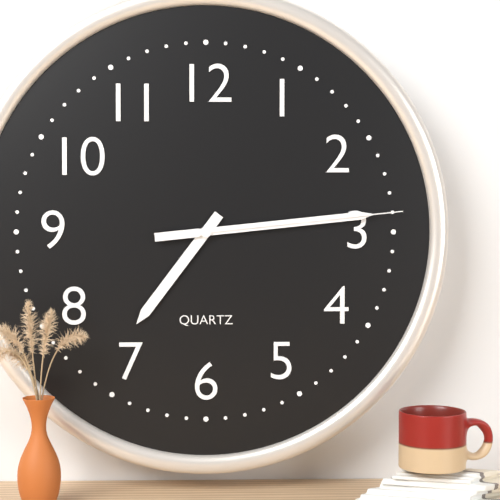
7:14:14
